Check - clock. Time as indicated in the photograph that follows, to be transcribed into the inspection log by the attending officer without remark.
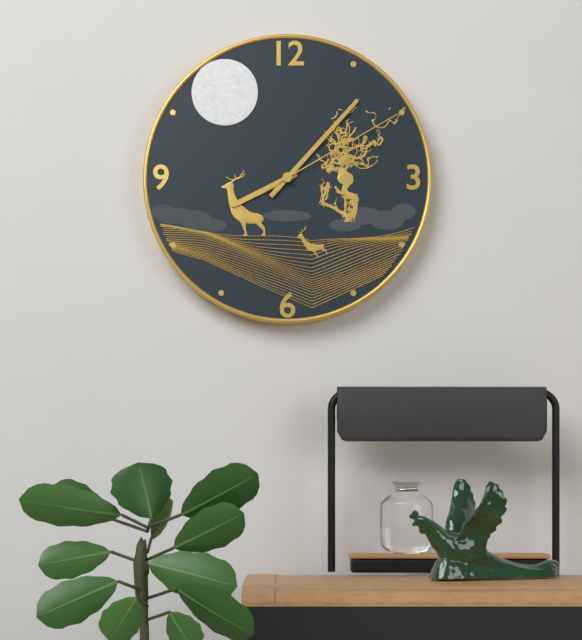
8:07:10
